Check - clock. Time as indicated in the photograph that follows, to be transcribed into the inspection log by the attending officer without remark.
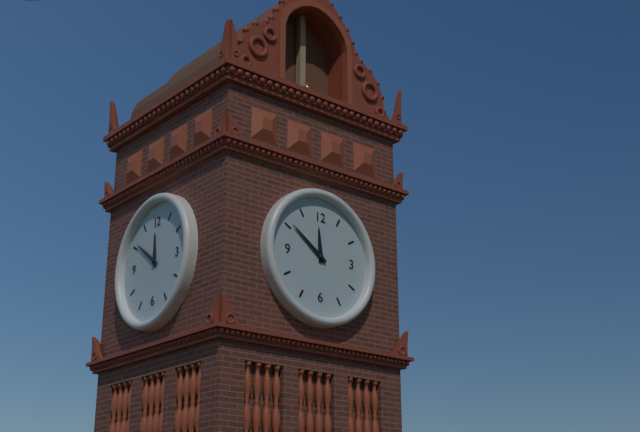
11:51
